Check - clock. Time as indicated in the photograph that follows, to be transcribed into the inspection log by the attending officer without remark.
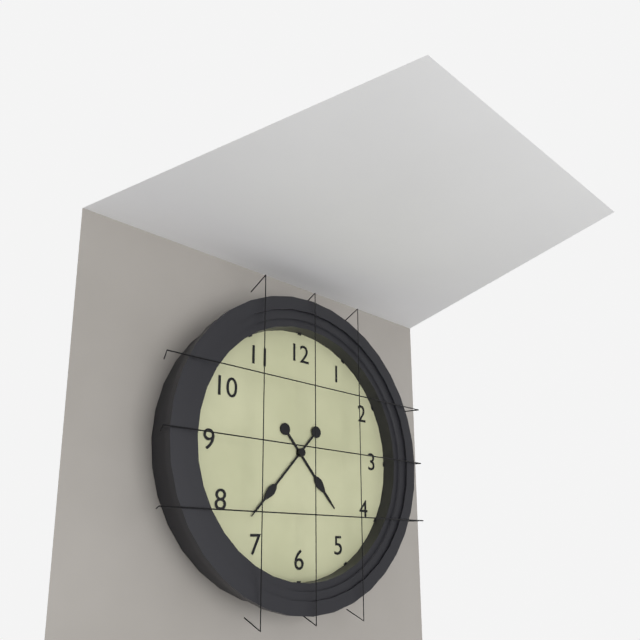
4:37
